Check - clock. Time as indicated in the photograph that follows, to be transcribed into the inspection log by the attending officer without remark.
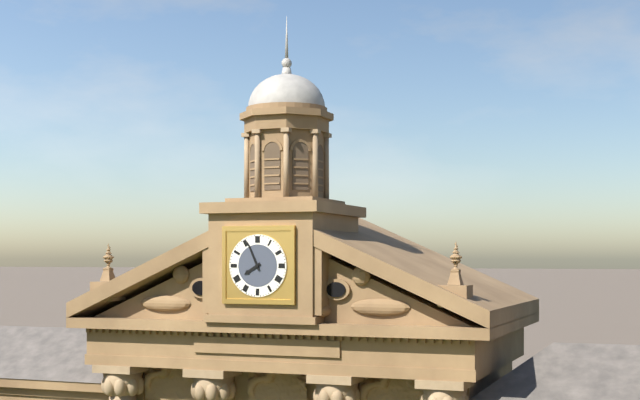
7:56
